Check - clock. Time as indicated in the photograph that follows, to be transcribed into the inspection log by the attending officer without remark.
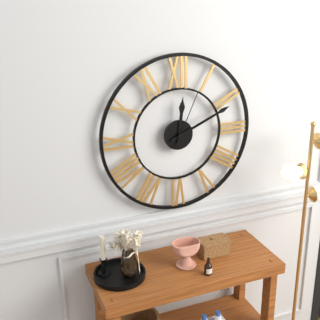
12:11:04
